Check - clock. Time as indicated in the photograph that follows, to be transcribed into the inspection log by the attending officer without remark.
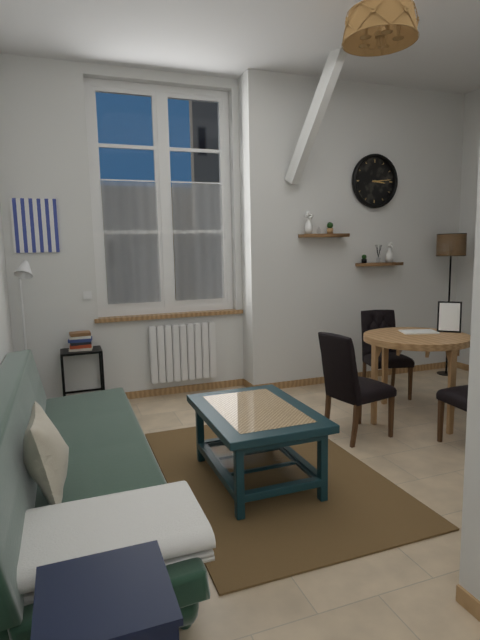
3:14
